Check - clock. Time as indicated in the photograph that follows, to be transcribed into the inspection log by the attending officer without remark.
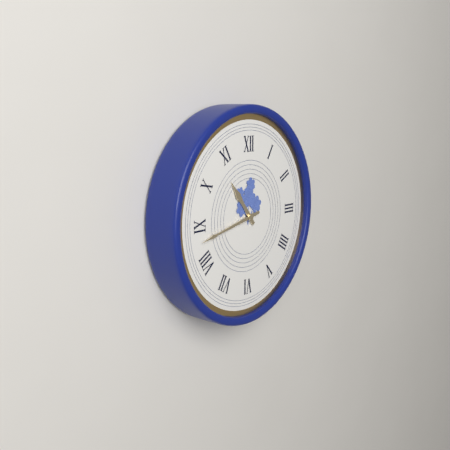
10:43
